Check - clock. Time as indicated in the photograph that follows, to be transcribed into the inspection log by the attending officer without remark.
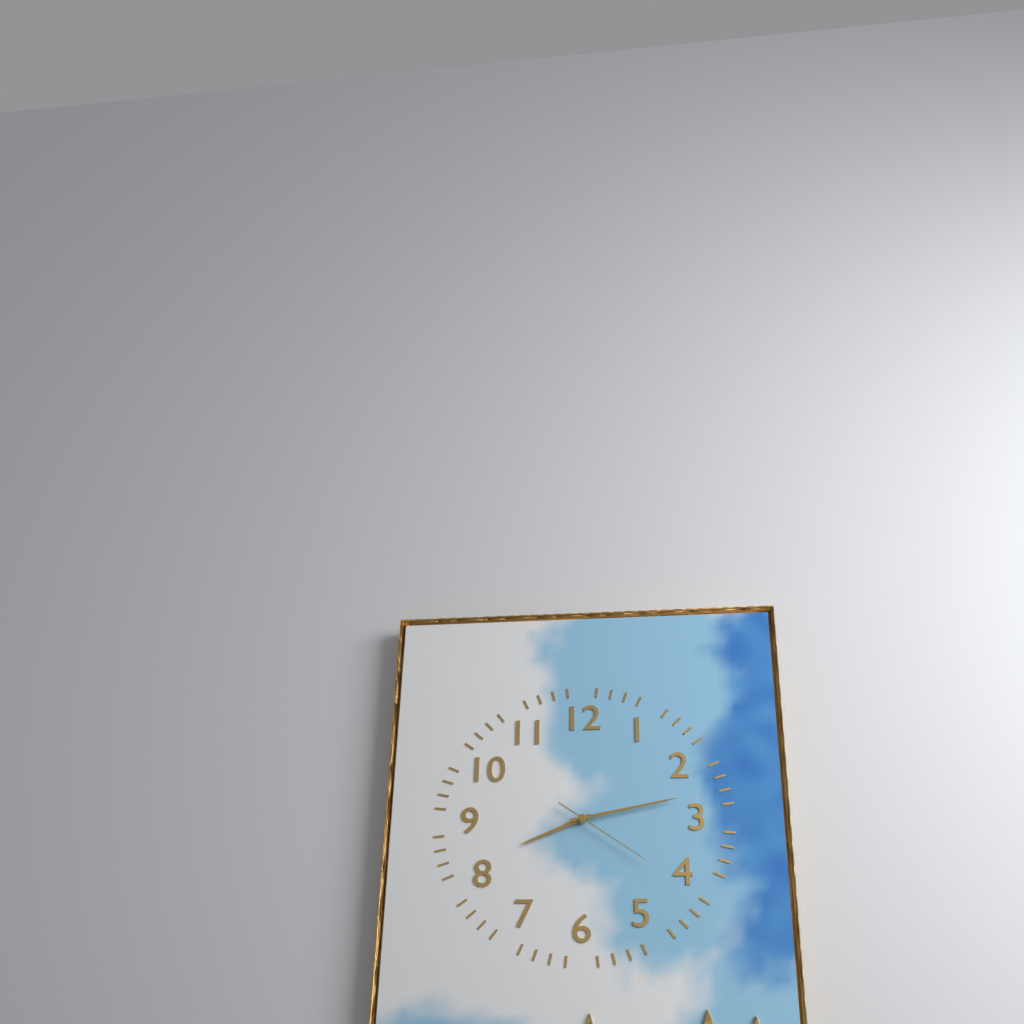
8:13:21
